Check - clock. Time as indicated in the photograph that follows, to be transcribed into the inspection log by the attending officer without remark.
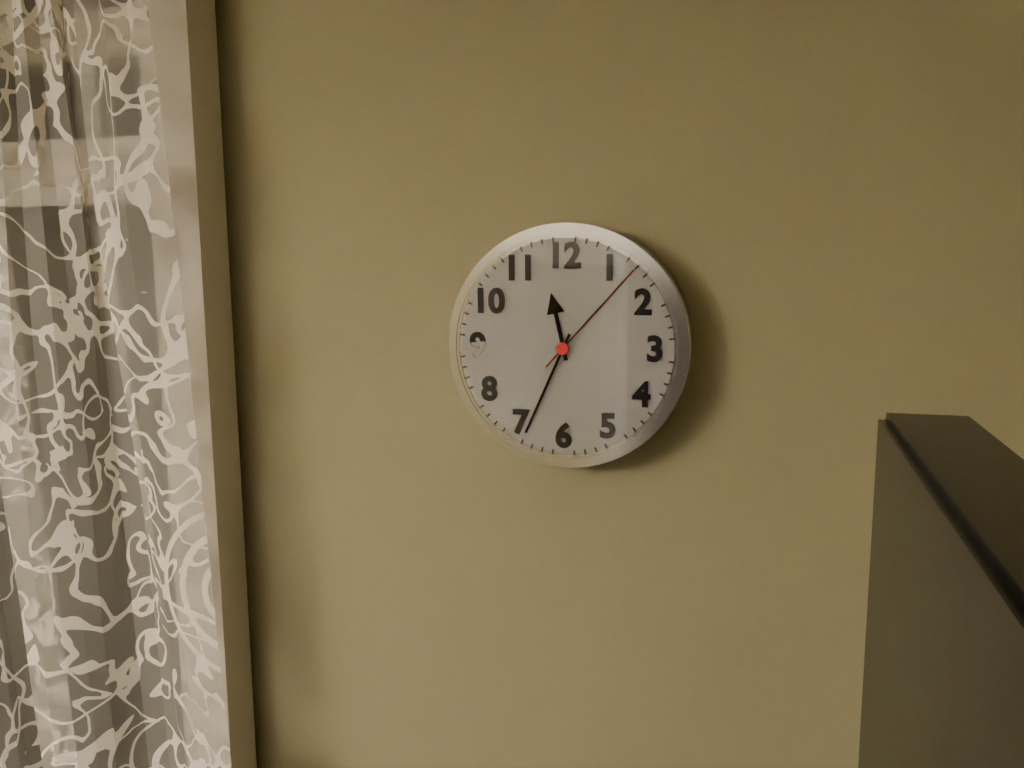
11:34:07
